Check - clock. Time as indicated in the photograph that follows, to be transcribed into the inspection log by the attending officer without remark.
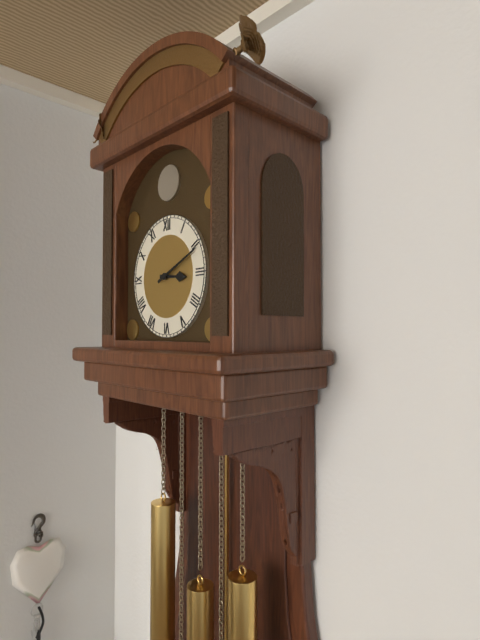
3:11
